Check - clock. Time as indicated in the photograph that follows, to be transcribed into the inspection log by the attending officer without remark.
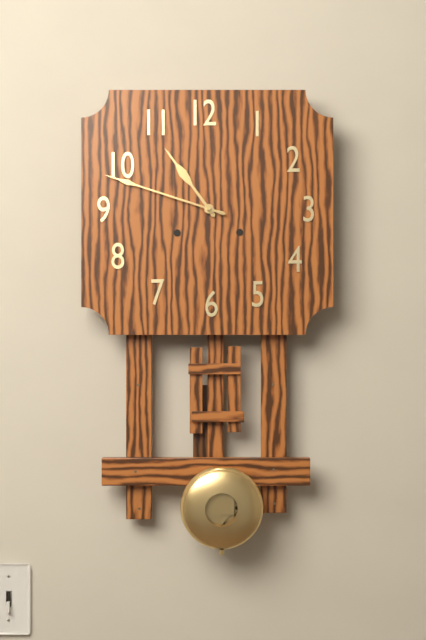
10:48
